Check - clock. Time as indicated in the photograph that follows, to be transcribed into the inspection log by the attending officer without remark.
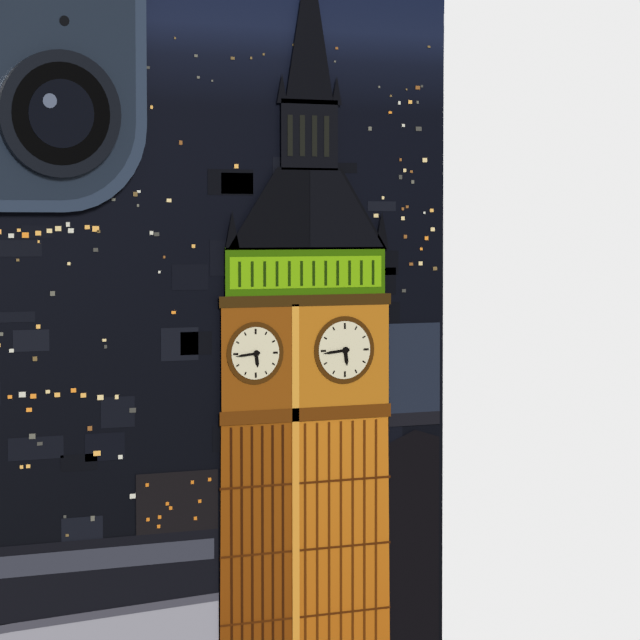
5:44
